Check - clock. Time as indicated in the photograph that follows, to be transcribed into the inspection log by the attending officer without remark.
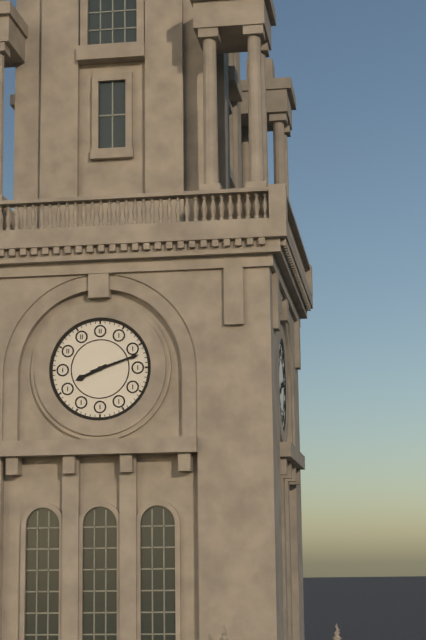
8:12
